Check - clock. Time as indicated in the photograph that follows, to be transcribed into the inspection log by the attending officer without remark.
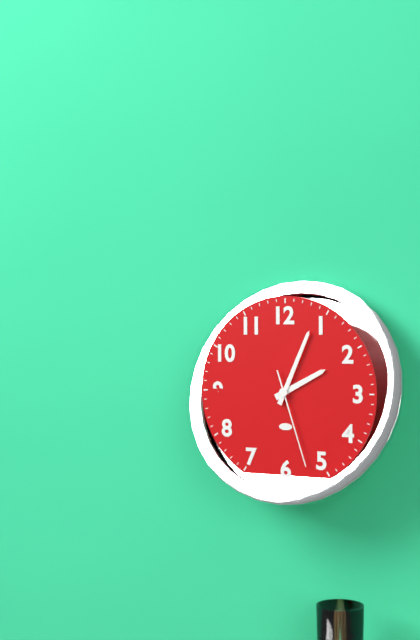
2:04:27
